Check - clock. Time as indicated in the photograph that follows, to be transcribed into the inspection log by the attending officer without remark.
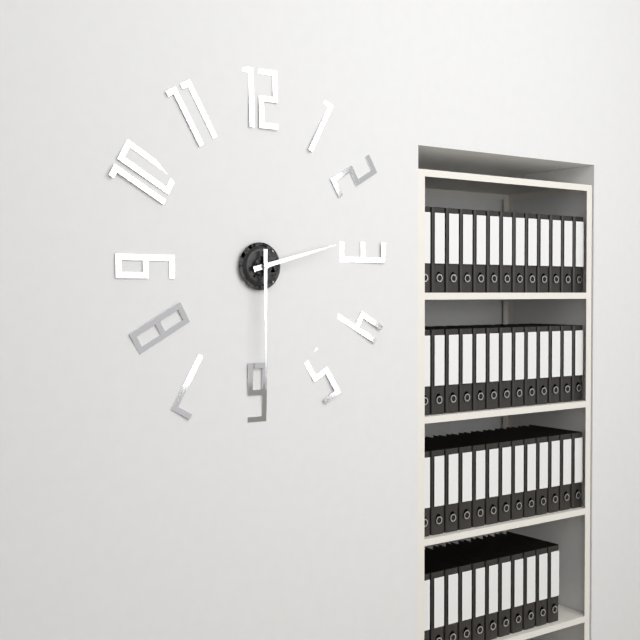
2:30
